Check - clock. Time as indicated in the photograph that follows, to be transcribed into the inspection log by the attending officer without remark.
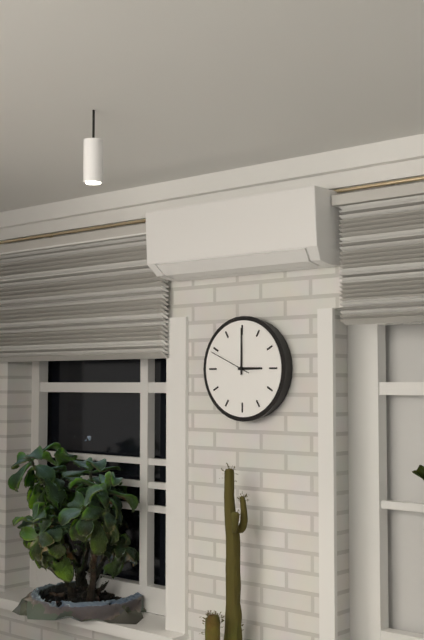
3:00
